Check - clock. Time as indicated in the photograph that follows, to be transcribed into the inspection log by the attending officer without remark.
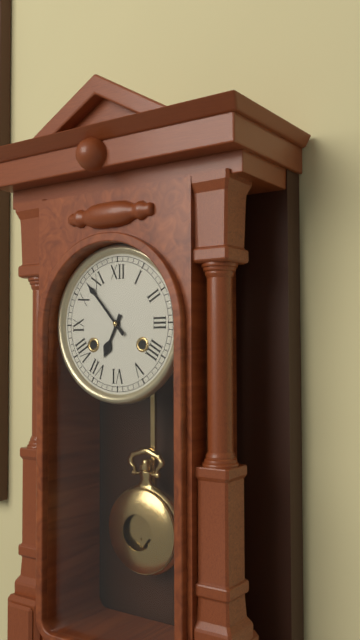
6:53
